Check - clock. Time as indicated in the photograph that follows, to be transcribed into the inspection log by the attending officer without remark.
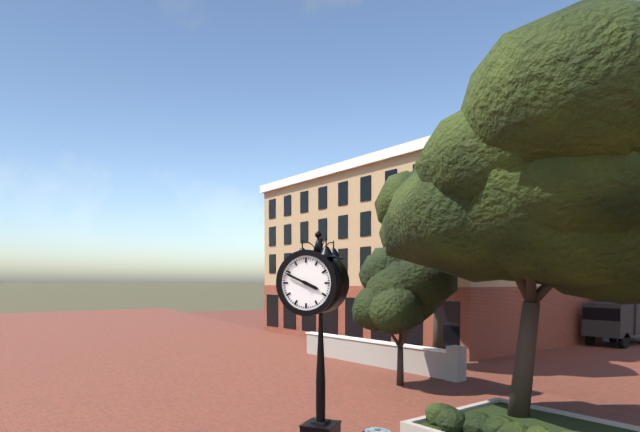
3:49
